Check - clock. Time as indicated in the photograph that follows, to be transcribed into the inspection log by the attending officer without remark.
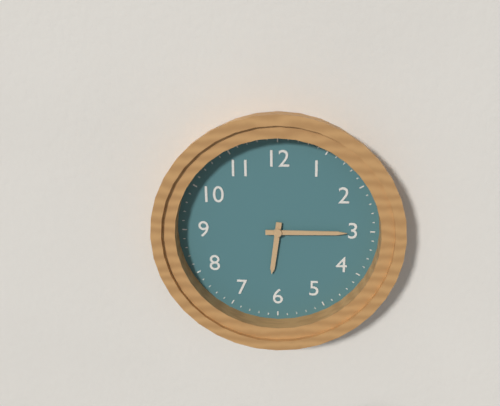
6:15
